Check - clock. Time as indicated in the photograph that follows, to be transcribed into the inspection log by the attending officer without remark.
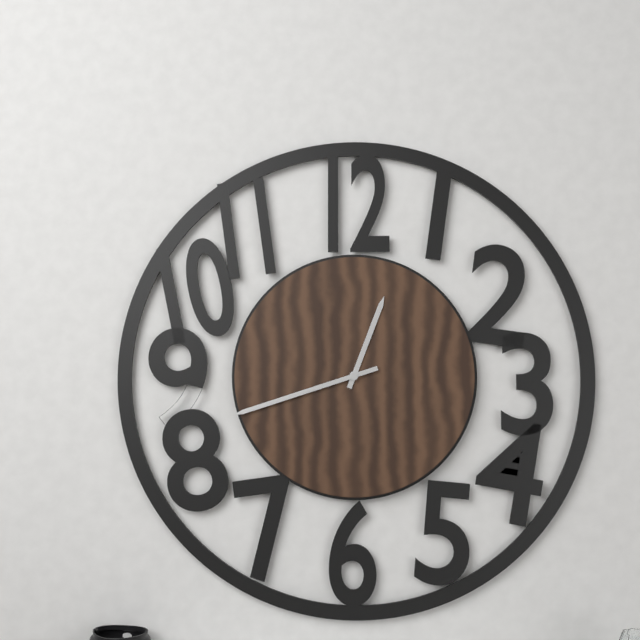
12:42
